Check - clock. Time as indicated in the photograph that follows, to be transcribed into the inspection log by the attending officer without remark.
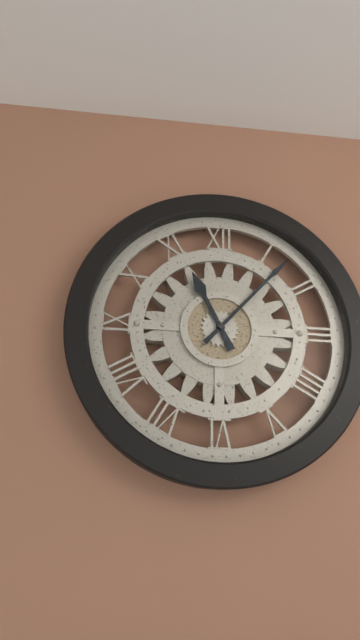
11:07
